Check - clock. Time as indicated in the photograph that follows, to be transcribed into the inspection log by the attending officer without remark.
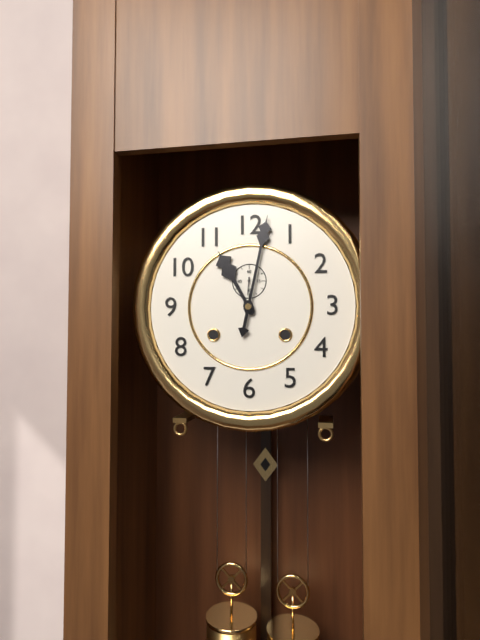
11:02
